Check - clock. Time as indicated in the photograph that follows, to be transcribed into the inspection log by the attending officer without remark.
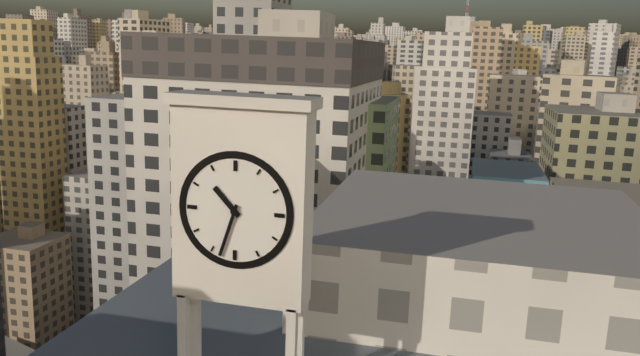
10:33
